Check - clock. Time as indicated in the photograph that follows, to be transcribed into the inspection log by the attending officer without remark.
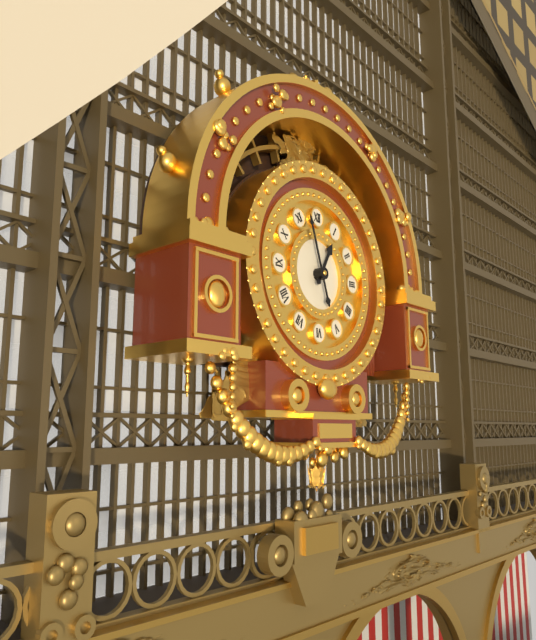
12:57
